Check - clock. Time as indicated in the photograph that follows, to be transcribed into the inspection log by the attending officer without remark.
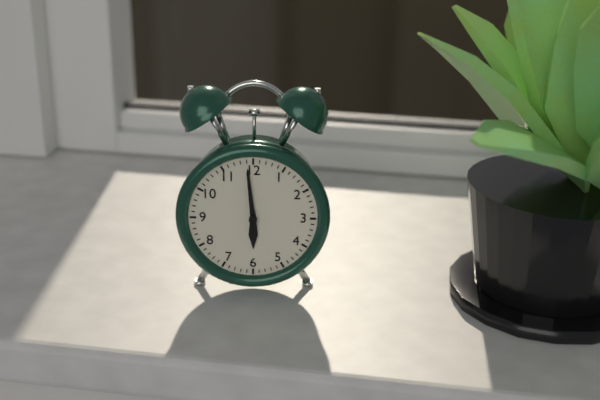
5:59
